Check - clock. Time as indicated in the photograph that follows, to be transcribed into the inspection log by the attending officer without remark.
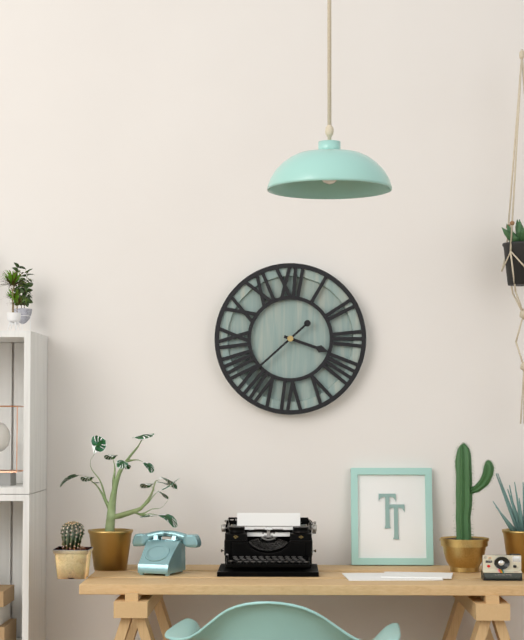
3:38
